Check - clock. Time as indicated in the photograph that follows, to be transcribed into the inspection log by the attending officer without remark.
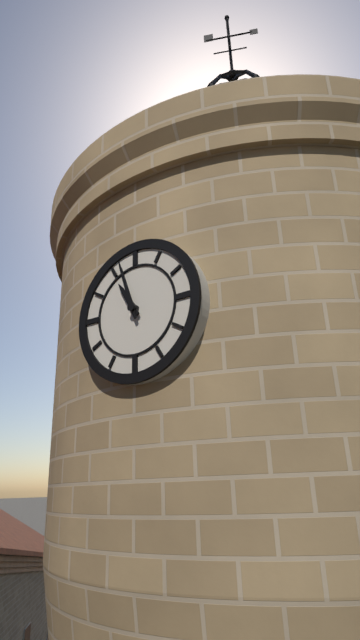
10:57
